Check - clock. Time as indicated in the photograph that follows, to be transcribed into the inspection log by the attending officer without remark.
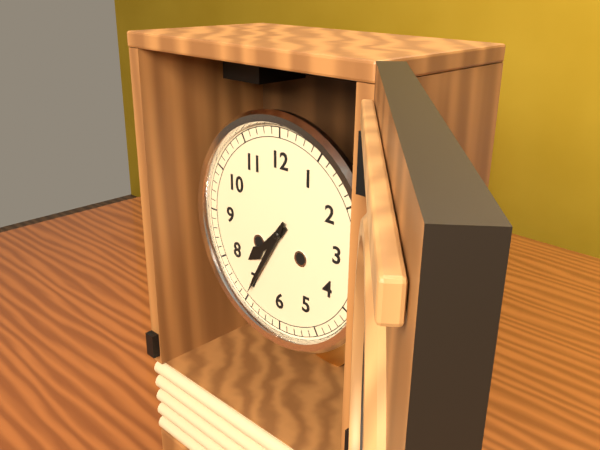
7:35
